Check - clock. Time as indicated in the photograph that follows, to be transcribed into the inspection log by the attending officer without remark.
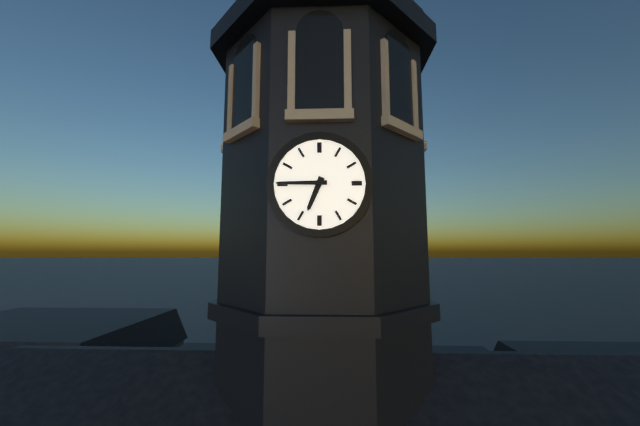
6:45
